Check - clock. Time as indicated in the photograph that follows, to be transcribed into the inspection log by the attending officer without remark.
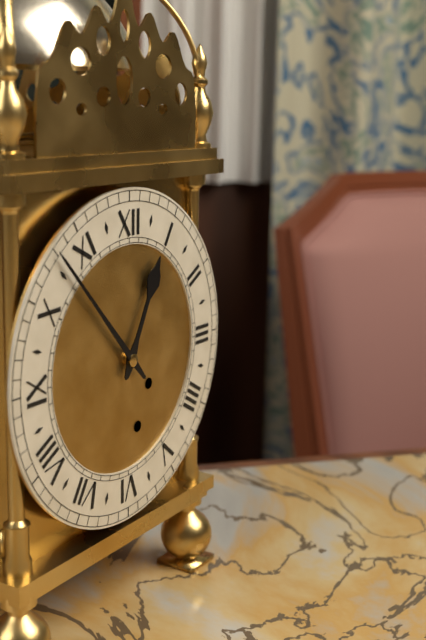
12:53
